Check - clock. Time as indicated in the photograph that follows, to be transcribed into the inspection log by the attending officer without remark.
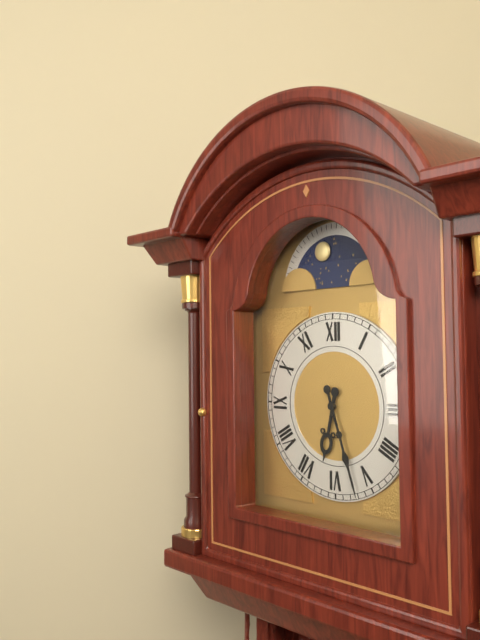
6:27
